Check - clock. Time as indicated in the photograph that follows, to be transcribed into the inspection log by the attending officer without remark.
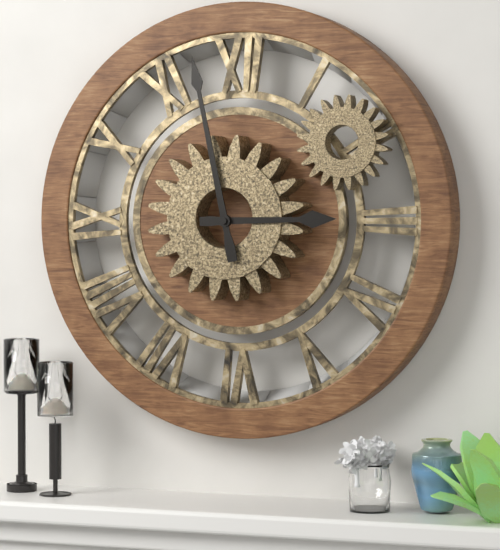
2:58
